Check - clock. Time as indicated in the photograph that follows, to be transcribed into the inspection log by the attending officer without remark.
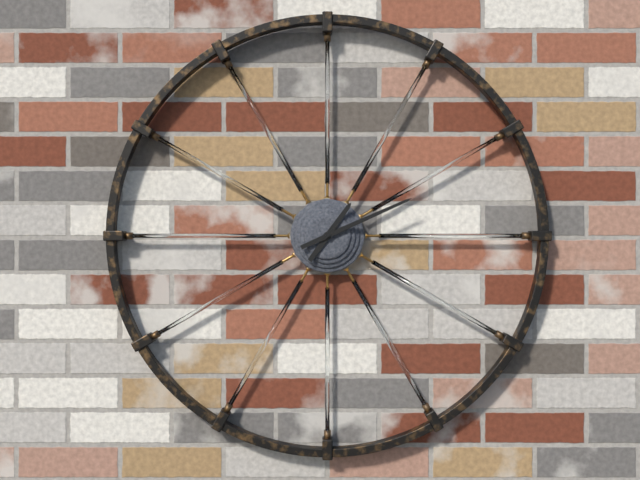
1:11
